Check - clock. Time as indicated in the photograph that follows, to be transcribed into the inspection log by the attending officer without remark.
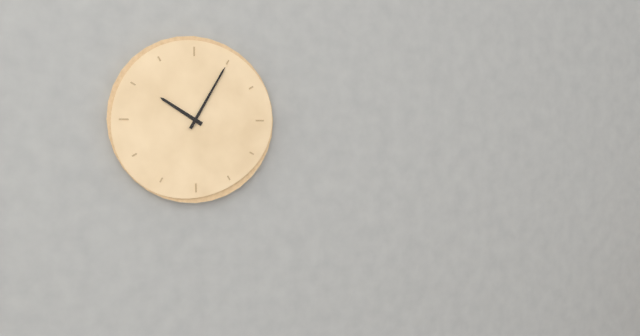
10:05
